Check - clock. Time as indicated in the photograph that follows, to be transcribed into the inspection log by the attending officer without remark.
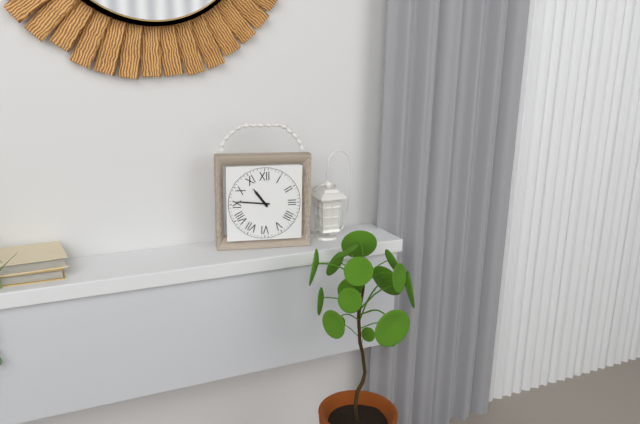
10:46
